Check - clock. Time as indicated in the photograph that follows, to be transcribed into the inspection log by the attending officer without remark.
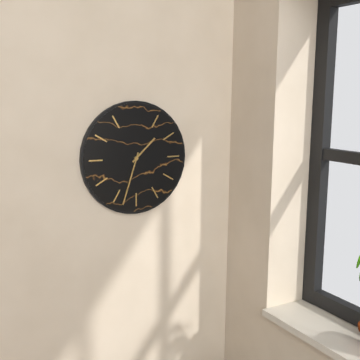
1:33
